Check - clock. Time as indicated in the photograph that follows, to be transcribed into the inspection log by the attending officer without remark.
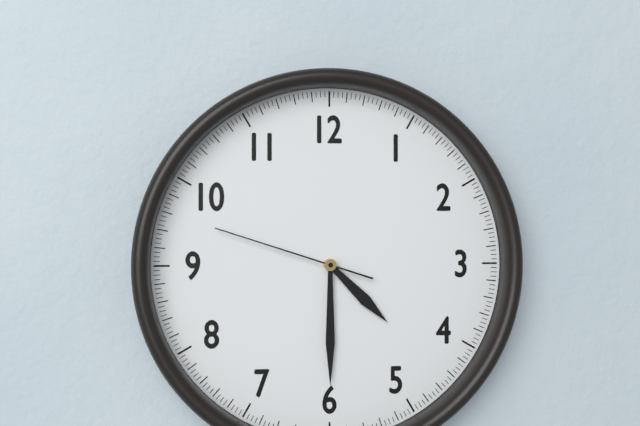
4:30:48
